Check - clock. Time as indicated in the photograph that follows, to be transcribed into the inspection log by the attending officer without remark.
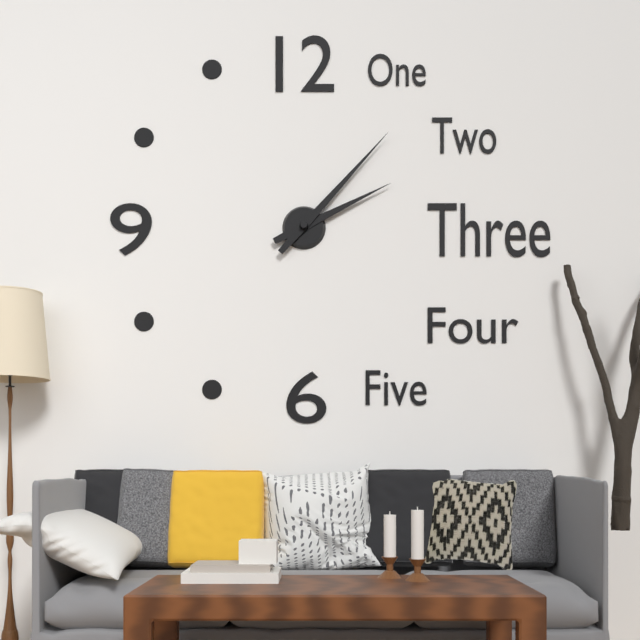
2:07
